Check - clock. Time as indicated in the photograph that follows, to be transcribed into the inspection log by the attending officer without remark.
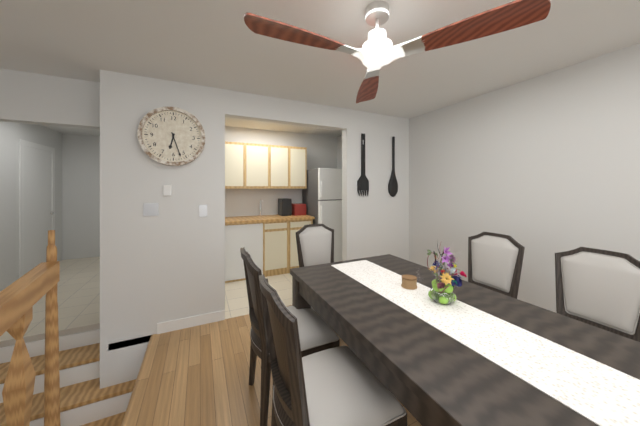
6:27
